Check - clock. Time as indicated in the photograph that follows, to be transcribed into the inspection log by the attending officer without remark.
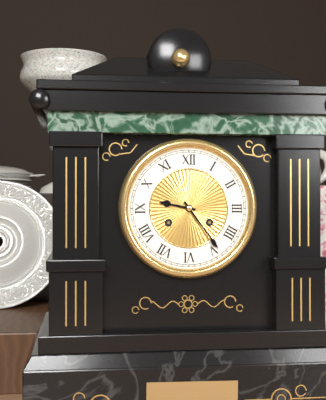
9:24
